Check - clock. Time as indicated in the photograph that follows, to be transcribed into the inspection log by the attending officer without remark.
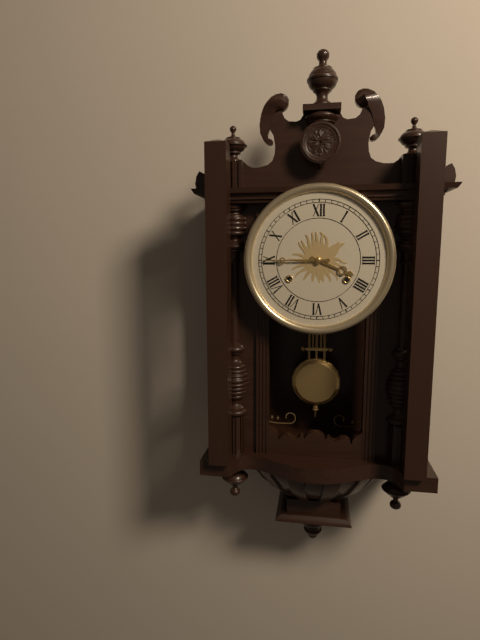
3:45
